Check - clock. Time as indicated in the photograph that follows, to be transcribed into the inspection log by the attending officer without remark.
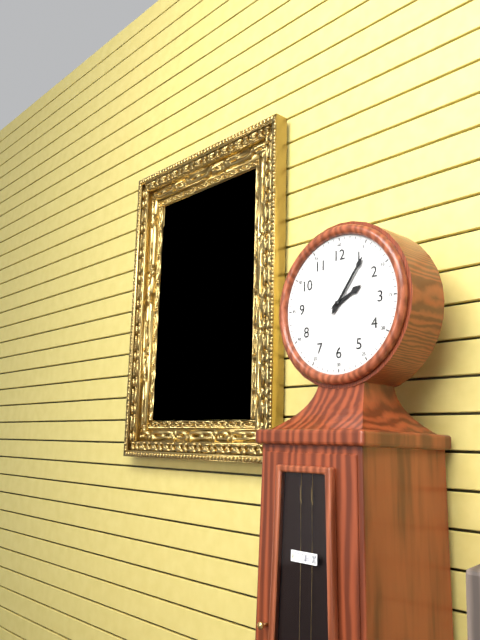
2:06
